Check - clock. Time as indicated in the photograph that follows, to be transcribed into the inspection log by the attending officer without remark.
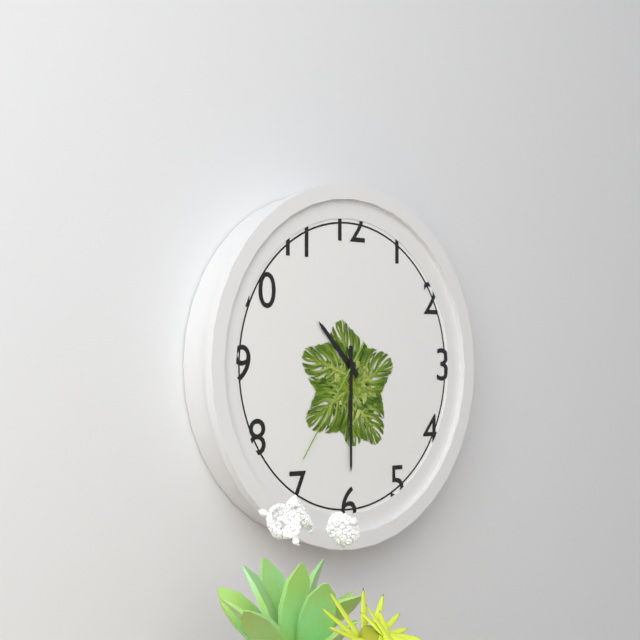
10:30:36
